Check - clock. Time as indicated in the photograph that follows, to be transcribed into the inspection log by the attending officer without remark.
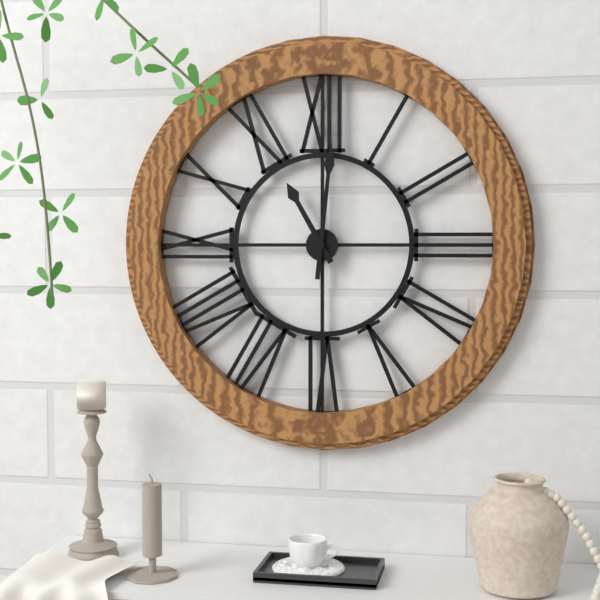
11:01
